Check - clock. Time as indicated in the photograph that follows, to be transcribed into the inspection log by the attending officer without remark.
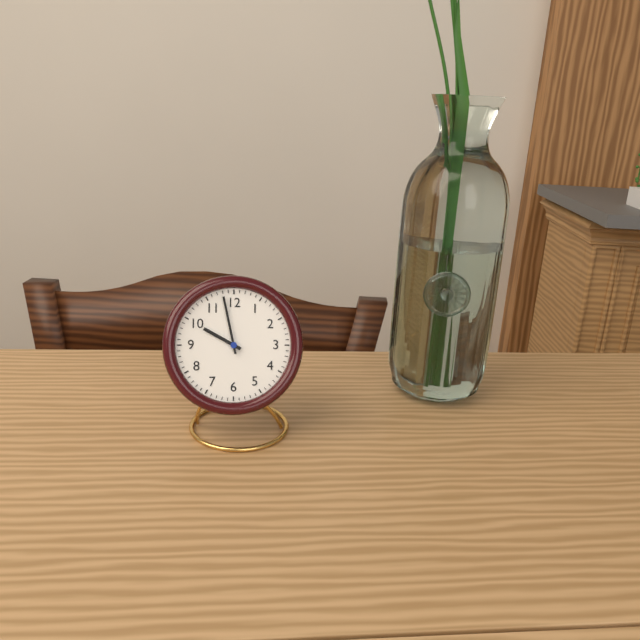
9:58
